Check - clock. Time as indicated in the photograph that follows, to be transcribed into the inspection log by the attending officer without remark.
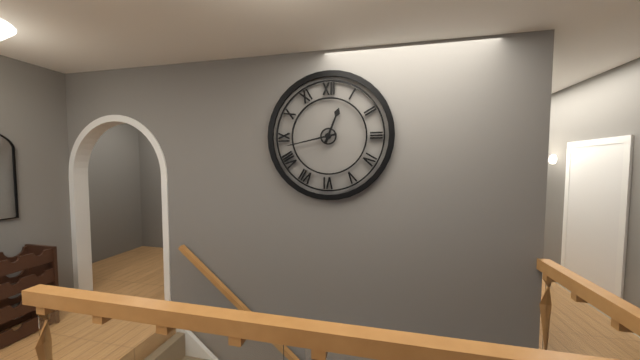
12:43
